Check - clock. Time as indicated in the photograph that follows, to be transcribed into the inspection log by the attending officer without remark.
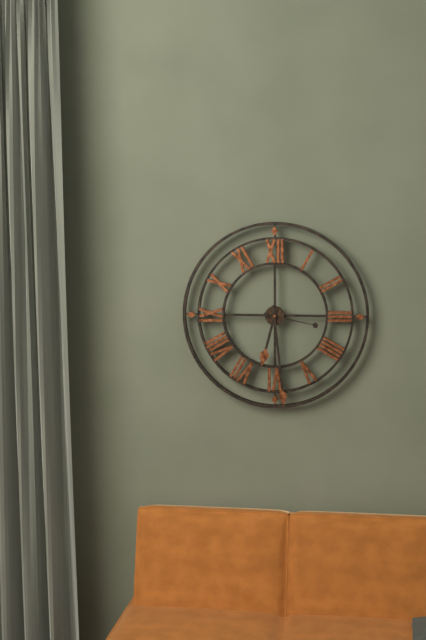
6:29:17
